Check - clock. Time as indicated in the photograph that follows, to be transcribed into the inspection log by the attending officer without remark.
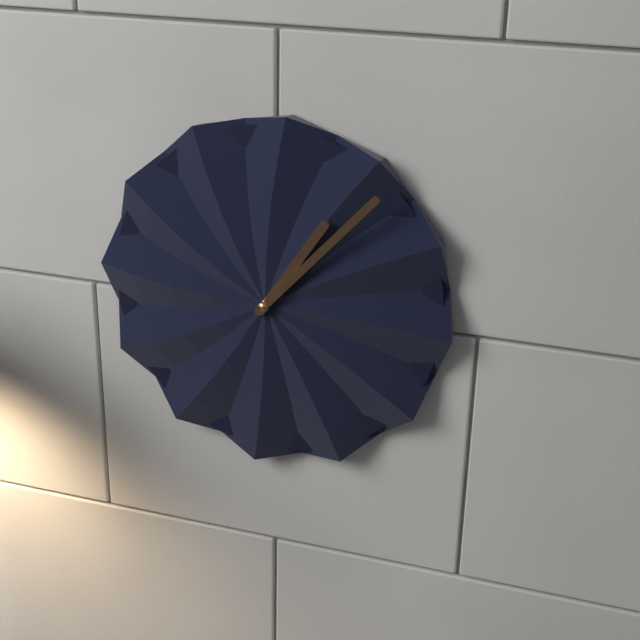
1:07
